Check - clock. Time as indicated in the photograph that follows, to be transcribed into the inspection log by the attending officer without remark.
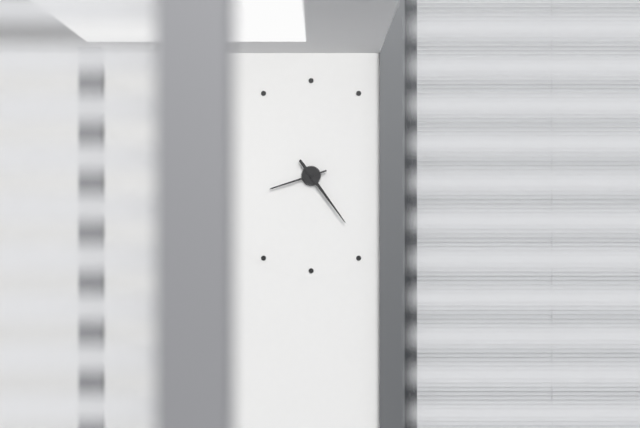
8:24
